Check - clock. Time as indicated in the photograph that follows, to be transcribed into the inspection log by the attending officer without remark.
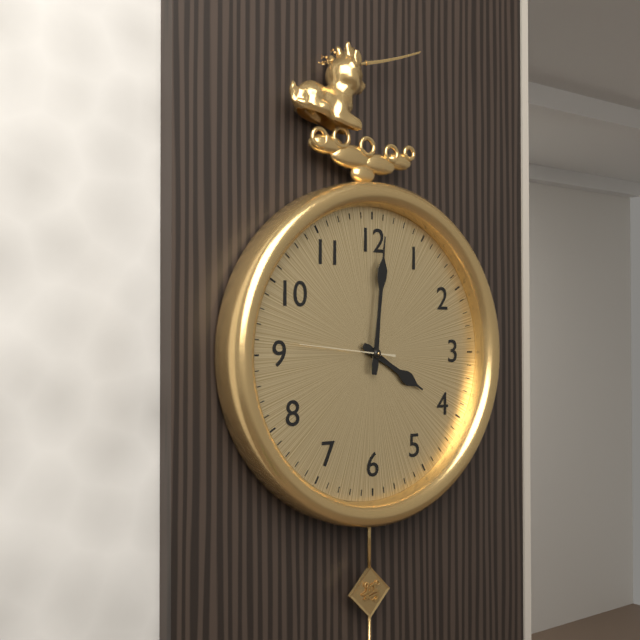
4:01:46
